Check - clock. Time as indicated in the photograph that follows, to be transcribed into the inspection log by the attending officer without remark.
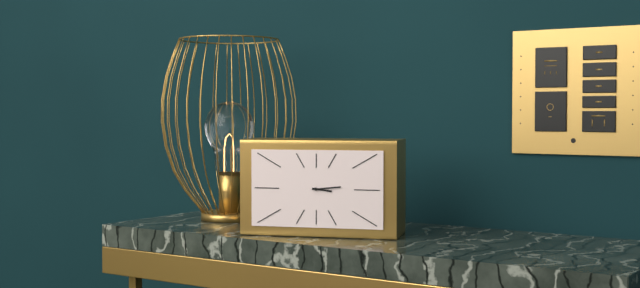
3:14
